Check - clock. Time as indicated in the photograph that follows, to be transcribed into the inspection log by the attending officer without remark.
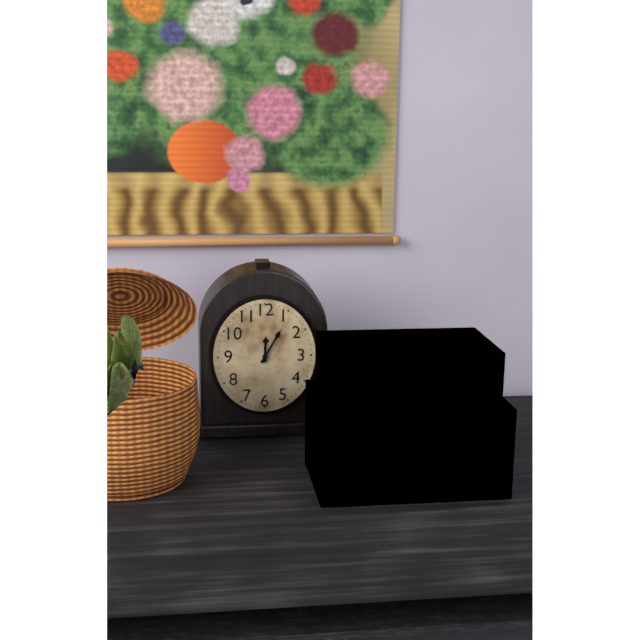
12:05
